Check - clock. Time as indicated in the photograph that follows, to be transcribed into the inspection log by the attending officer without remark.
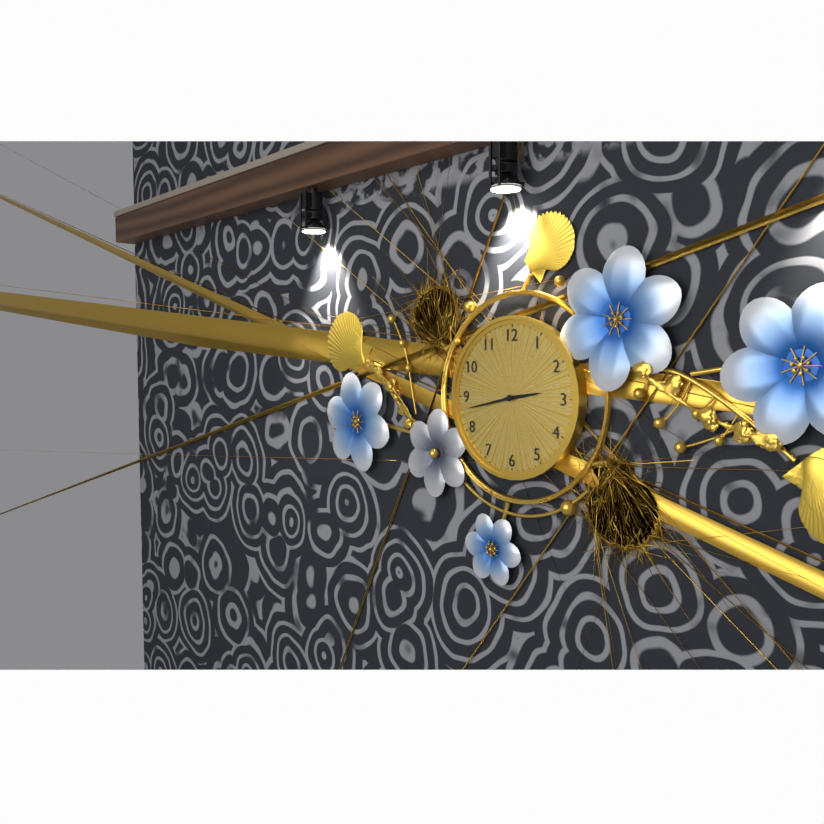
2:43
